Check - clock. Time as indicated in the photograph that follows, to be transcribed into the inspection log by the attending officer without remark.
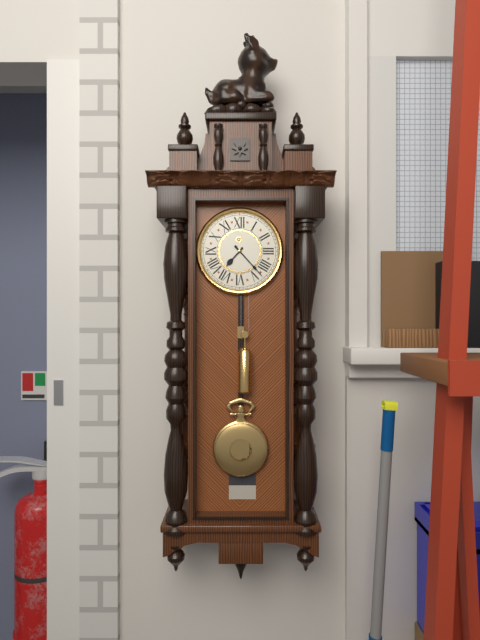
7:23
